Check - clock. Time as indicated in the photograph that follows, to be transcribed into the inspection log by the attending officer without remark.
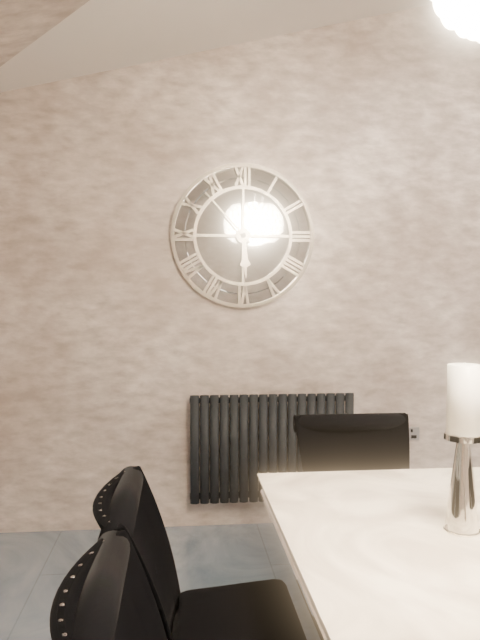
5:53
